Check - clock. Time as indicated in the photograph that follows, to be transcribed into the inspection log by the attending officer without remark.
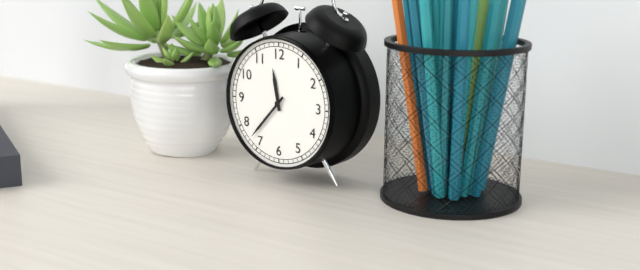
11:37
